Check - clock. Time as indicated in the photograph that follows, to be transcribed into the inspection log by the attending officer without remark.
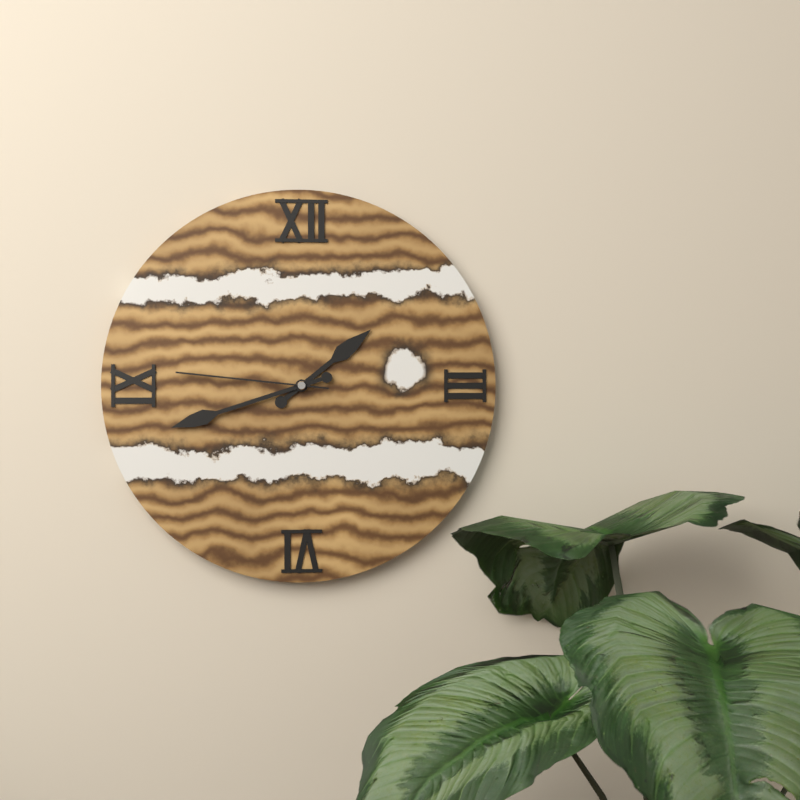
1:42:46
